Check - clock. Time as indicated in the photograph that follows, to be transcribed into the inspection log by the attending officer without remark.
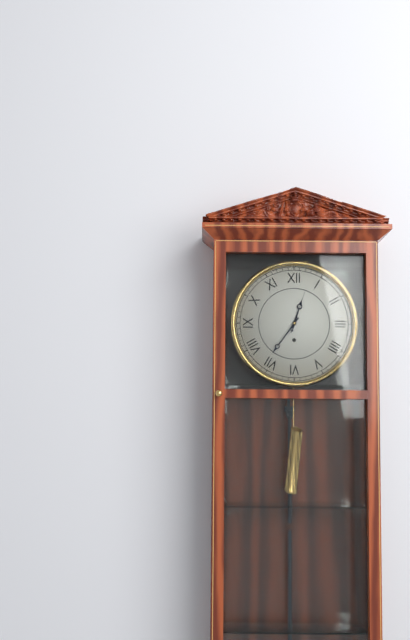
12:36:03
